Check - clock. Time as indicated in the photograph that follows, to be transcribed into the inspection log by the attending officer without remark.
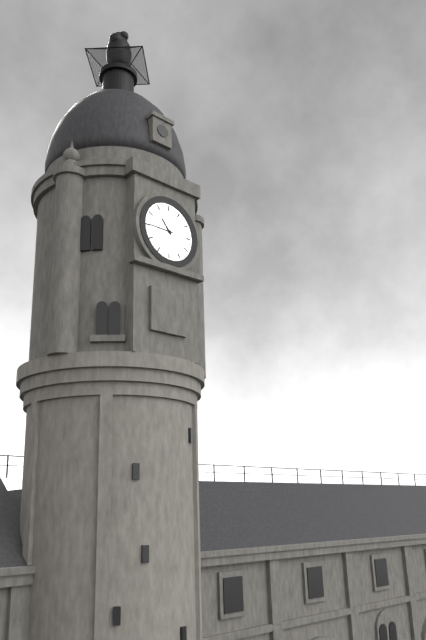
10:45
